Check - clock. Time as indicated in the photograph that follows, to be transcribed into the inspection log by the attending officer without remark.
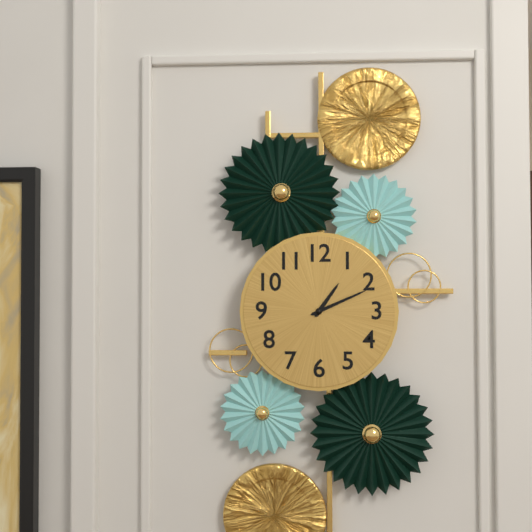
1:11
